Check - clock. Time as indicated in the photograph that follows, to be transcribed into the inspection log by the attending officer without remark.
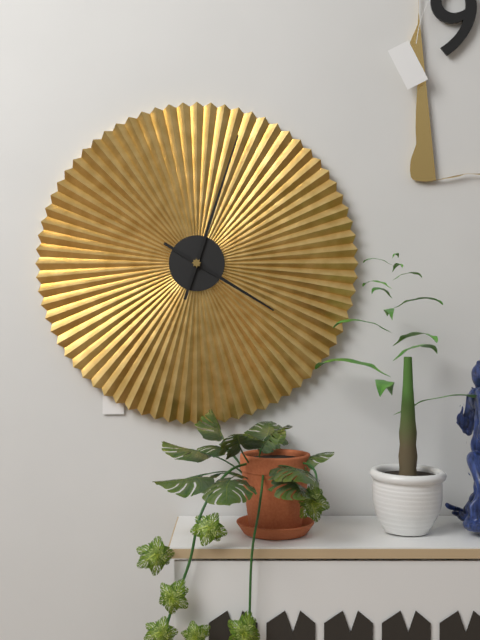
4:03
